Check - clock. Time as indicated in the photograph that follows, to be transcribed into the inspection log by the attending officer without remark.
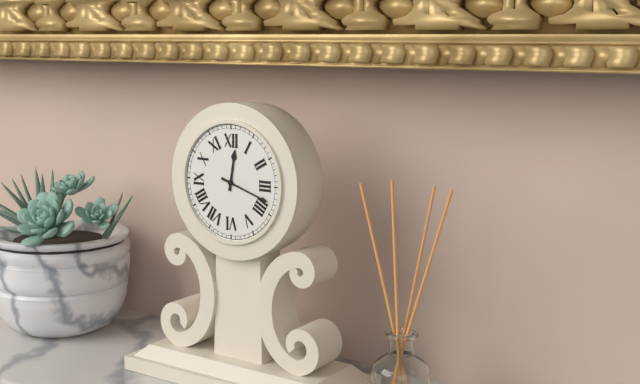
12:18
